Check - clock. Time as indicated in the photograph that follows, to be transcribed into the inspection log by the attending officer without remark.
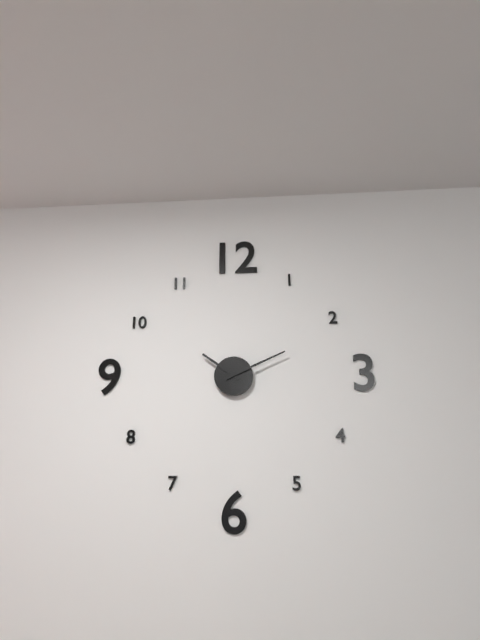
10:11
